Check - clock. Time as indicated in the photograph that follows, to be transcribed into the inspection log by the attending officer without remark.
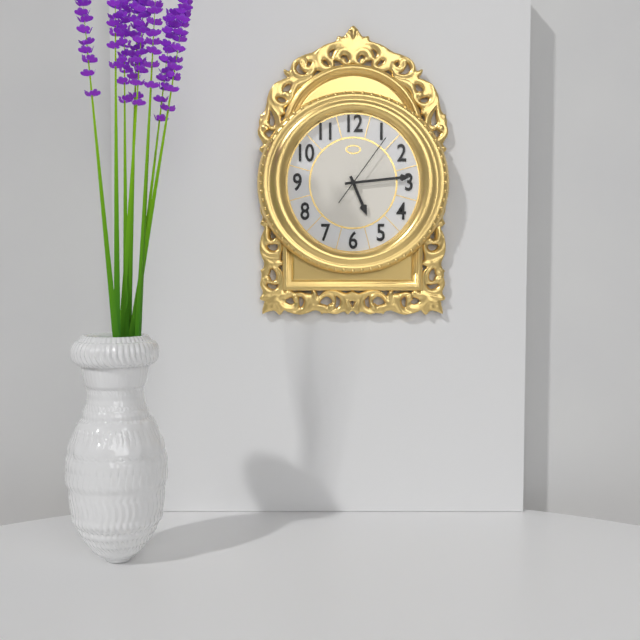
5:14:06
